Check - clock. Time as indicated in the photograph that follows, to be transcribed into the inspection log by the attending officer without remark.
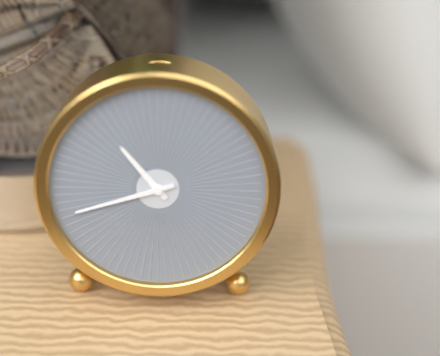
10:42
